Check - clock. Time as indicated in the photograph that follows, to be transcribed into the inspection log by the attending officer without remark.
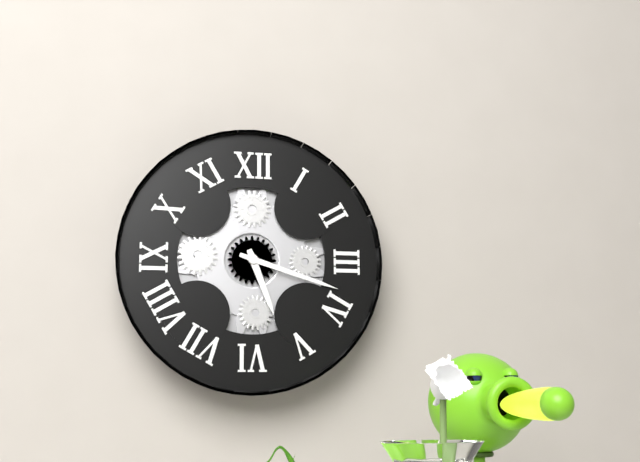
5:18
